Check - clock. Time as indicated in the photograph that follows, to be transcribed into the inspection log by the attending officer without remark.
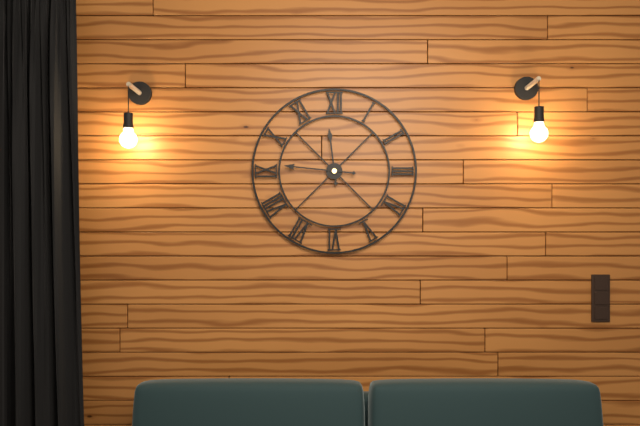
11:46
